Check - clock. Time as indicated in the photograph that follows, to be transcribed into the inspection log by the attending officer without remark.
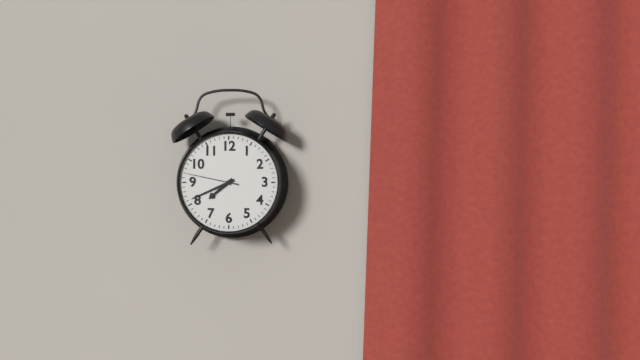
7:41:47
